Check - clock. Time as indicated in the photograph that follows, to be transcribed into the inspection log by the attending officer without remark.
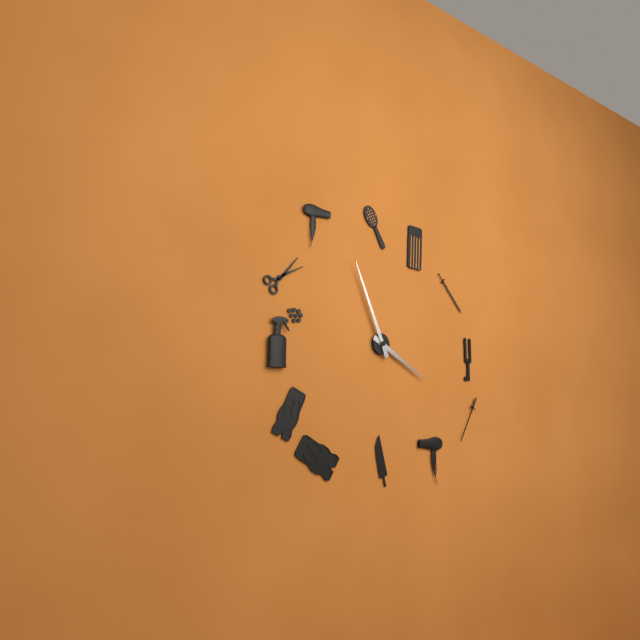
3:56
